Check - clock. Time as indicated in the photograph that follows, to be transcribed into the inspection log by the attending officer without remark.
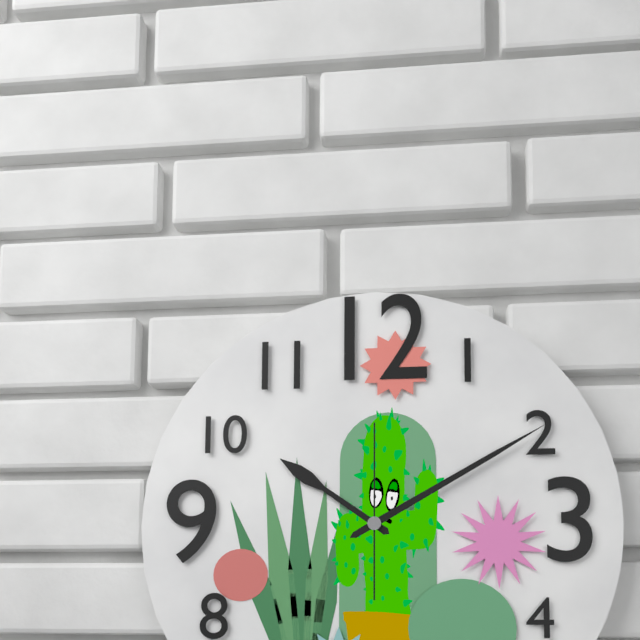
10:10:00
